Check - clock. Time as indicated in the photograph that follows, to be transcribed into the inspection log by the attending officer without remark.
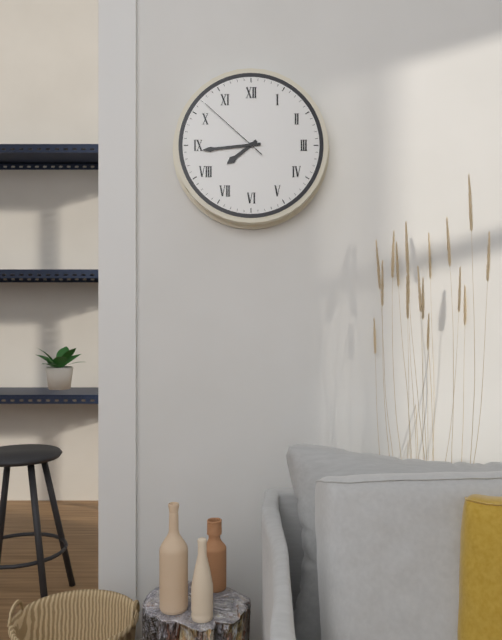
7:44:52
